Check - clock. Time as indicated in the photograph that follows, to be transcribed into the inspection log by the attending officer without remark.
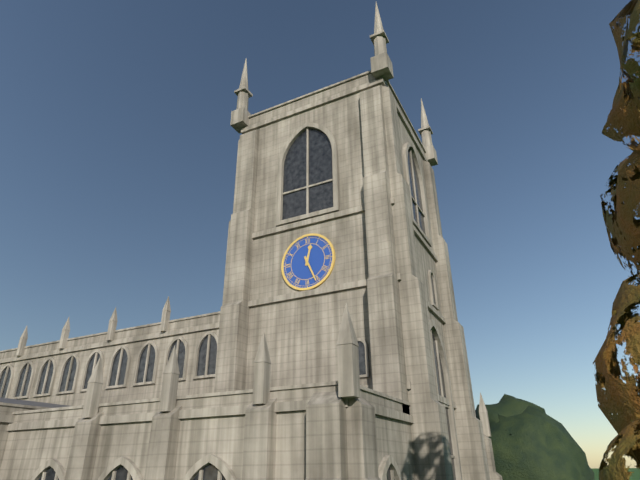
12:26
